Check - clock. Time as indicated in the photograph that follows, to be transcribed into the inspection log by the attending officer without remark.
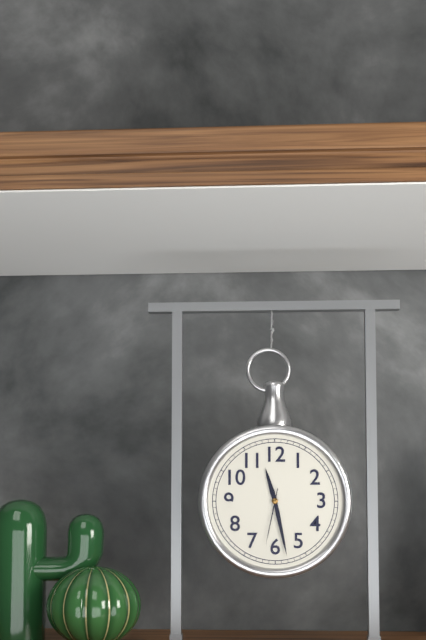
11:28:32
